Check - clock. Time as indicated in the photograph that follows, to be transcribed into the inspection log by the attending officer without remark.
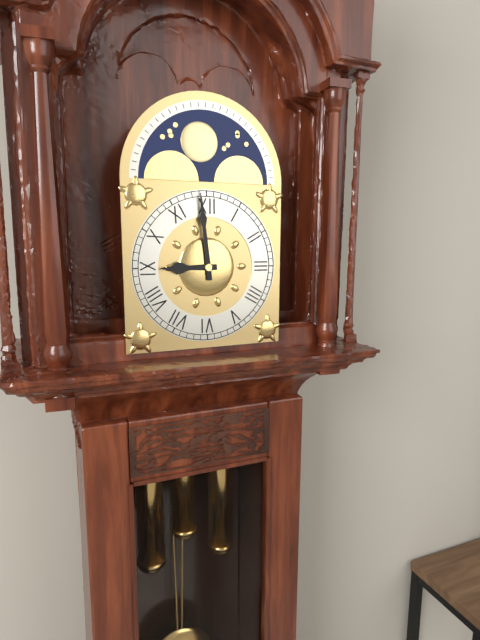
8:59
